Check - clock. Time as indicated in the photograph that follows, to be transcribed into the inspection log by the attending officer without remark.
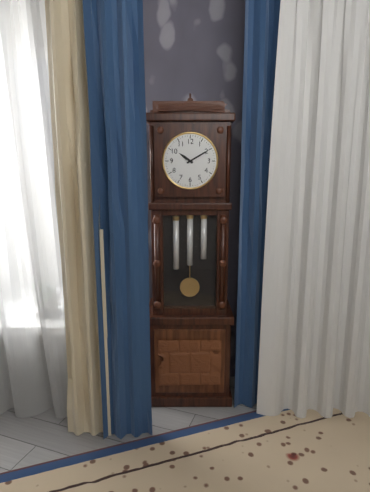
10:10
